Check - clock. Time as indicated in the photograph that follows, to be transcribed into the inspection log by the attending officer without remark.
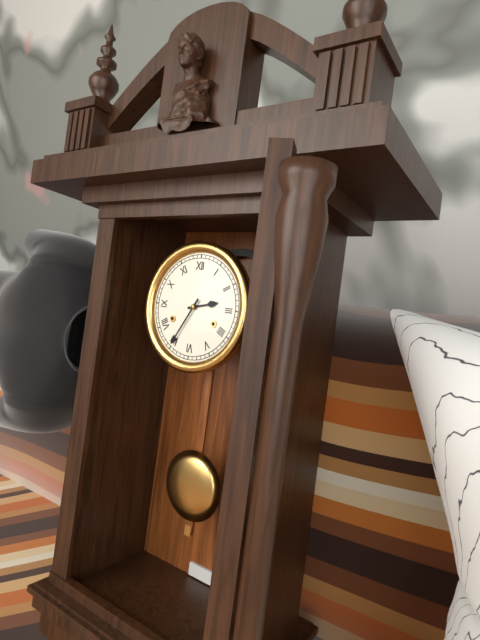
2:35
